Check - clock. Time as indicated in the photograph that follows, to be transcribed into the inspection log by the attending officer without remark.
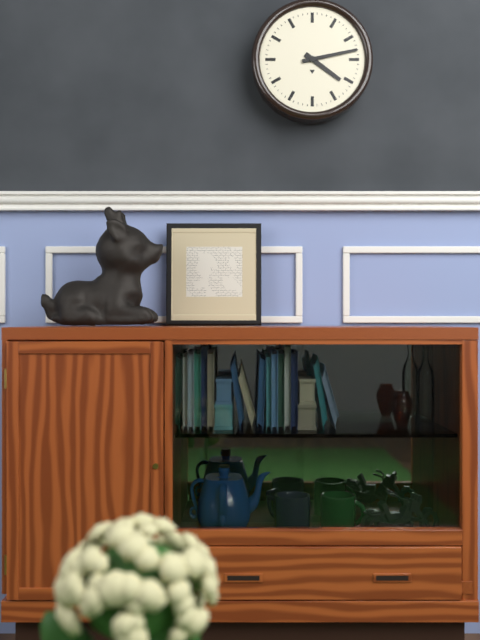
4:13
